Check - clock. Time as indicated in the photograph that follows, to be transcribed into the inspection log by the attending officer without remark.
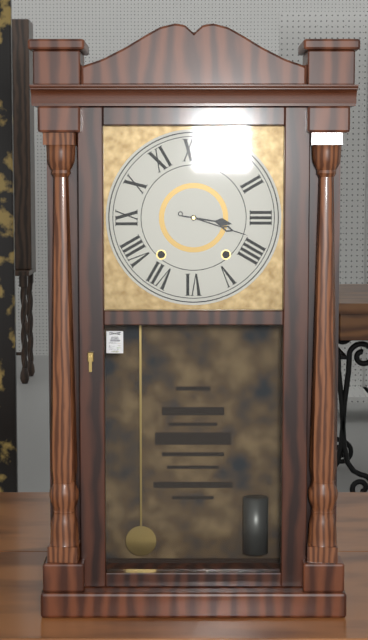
3:18
